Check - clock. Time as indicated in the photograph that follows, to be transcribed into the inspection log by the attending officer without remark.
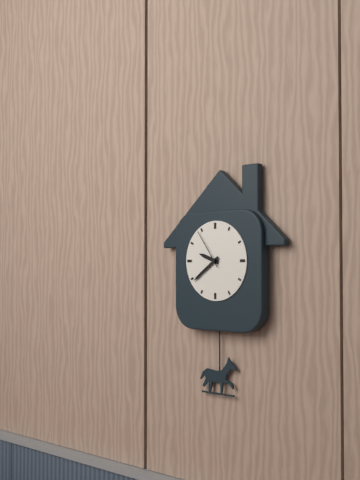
9:39
